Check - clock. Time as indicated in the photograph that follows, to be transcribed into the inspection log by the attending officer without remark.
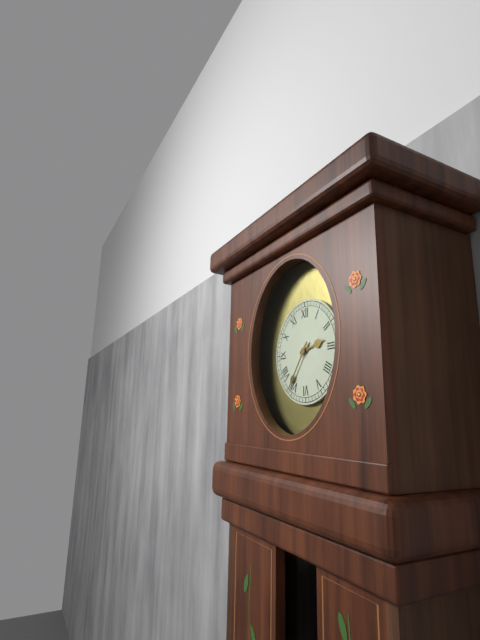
2:36
